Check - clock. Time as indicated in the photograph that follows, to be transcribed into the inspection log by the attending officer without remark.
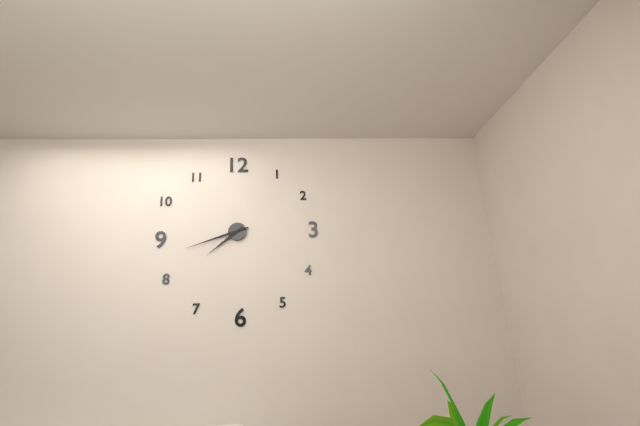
7:42
